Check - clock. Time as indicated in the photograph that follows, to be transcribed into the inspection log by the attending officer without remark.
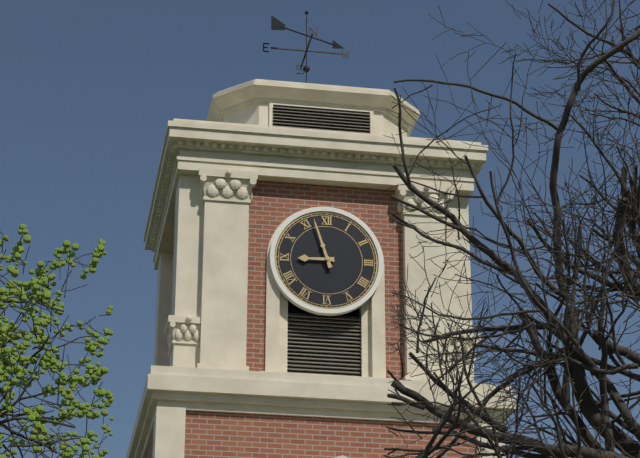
8:57
